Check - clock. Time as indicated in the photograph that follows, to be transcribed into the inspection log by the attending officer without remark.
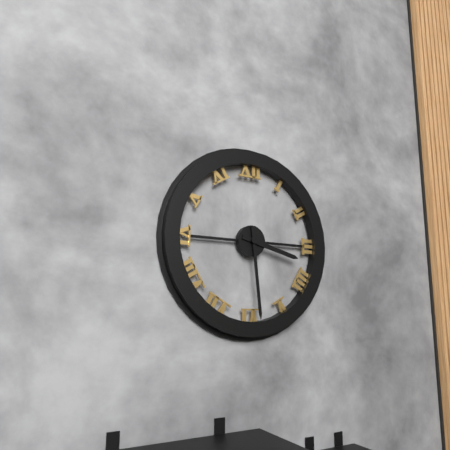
3:29
